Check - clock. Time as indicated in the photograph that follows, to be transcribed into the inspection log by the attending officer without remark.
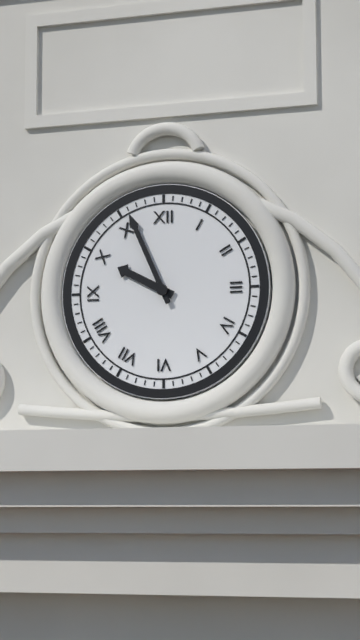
9:56
